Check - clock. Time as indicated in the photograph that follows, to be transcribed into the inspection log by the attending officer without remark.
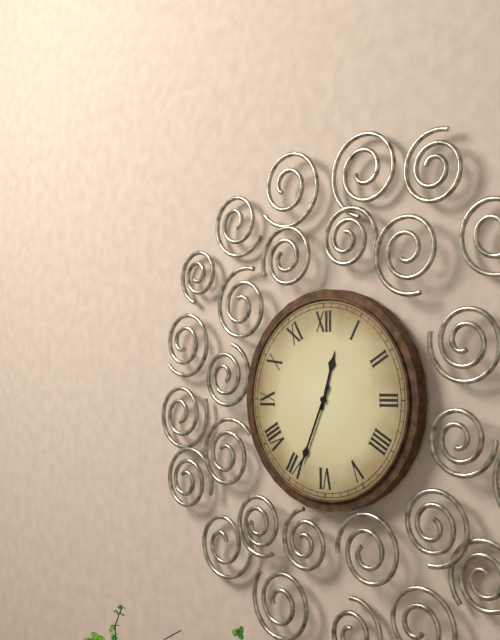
12:34
